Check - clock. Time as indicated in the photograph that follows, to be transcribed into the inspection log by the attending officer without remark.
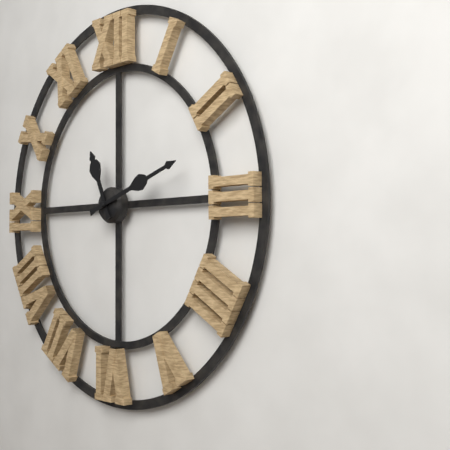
11:12
